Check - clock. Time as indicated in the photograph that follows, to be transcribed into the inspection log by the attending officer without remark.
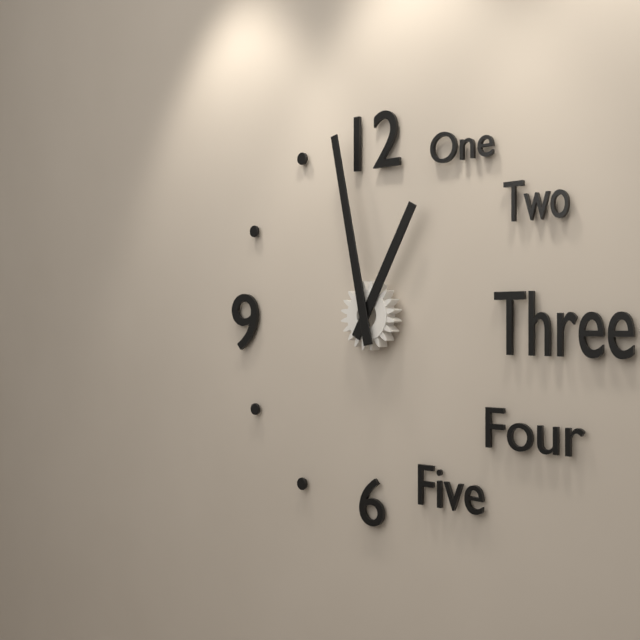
12:58
